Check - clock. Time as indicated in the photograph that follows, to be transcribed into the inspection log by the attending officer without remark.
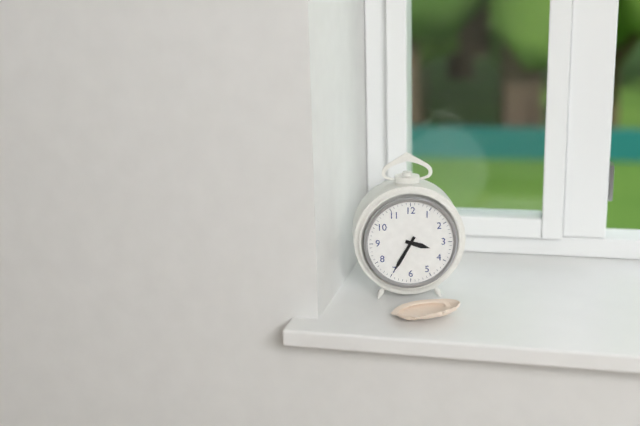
3:35
